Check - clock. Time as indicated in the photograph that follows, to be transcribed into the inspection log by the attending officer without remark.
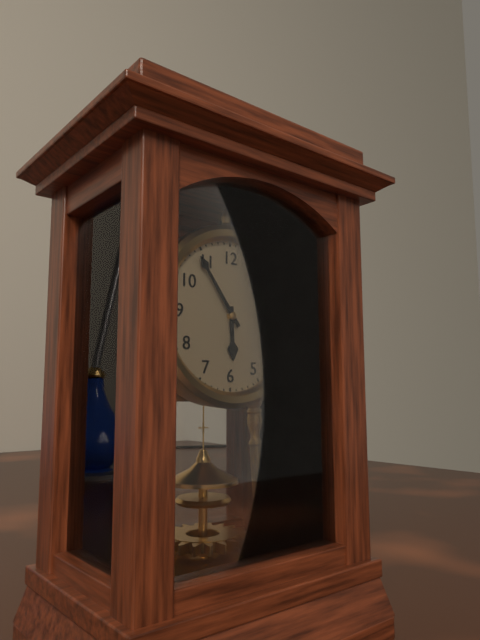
5:54
